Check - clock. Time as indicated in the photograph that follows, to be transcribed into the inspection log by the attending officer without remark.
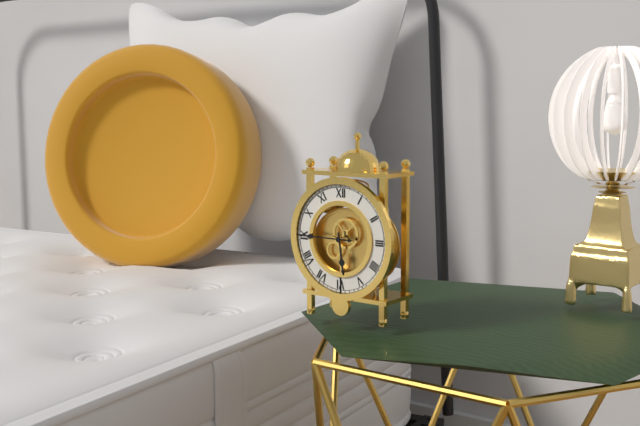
5:45
